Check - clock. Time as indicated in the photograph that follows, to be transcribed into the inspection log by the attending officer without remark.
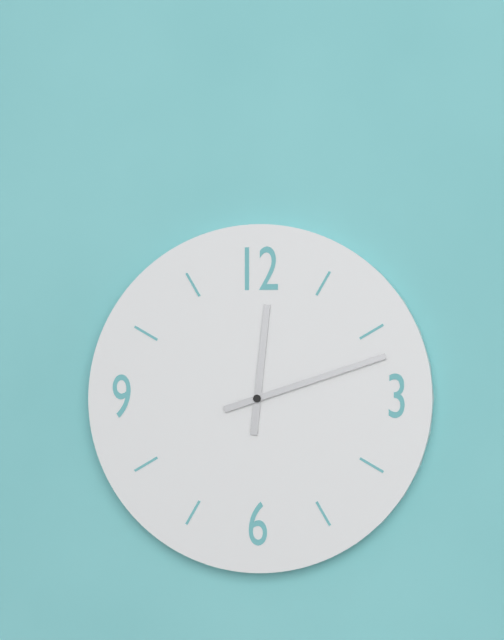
12:12
